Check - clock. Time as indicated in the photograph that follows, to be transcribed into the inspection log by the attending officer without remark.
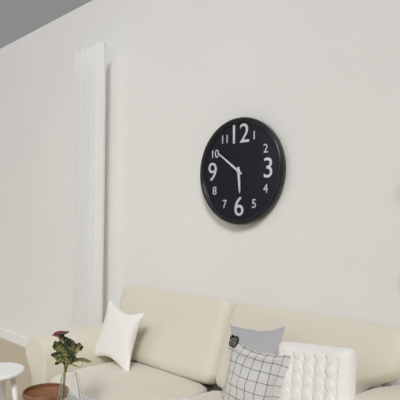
5:51
